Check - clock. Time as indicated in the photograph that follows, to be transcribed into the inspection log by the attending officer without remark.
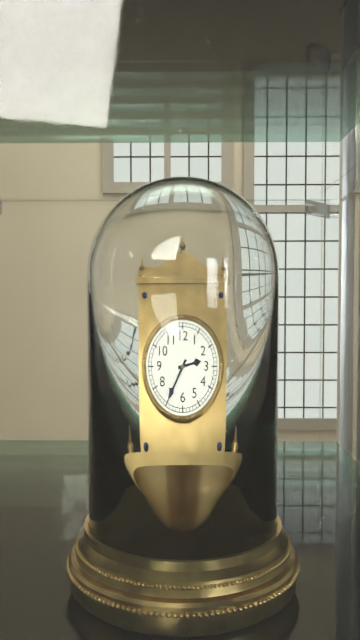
2:35
